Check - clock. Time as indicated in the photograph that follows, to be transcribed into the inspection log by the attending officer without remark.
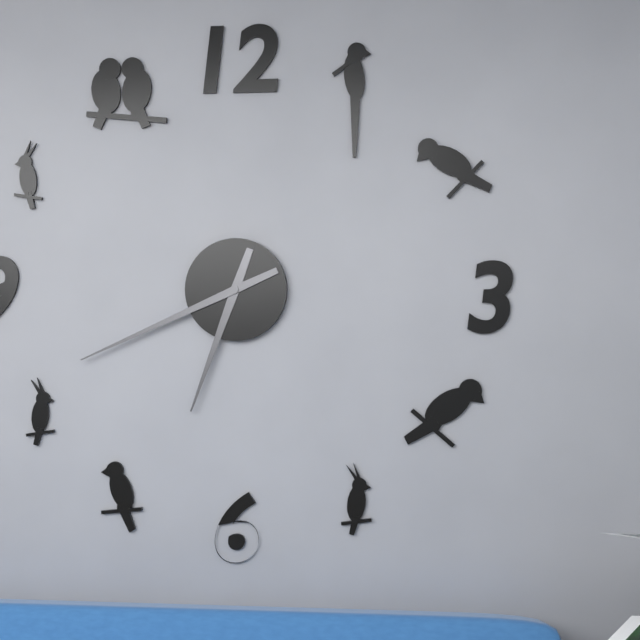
6:41
